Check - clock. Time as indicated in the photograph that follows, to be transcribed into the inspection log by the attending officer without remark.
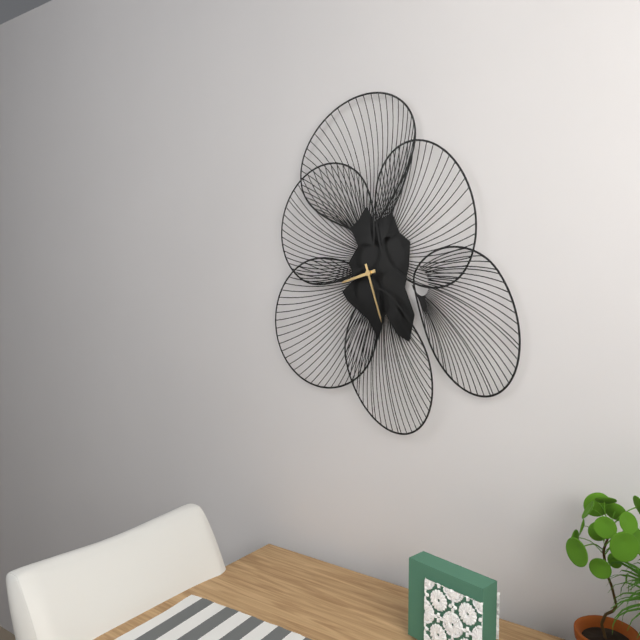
8:27
